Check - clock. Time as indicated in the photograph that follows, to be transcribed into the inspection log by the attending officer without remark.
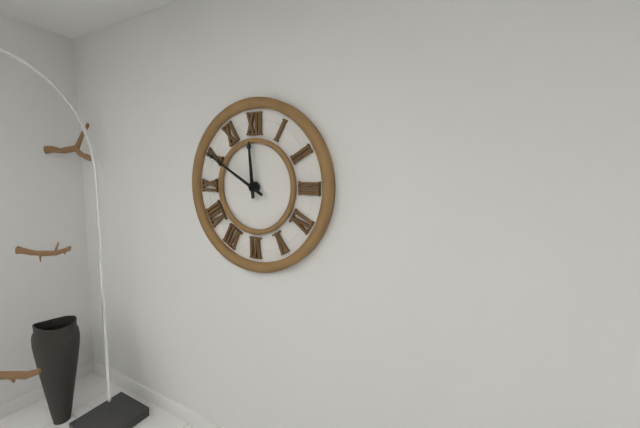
11:50
